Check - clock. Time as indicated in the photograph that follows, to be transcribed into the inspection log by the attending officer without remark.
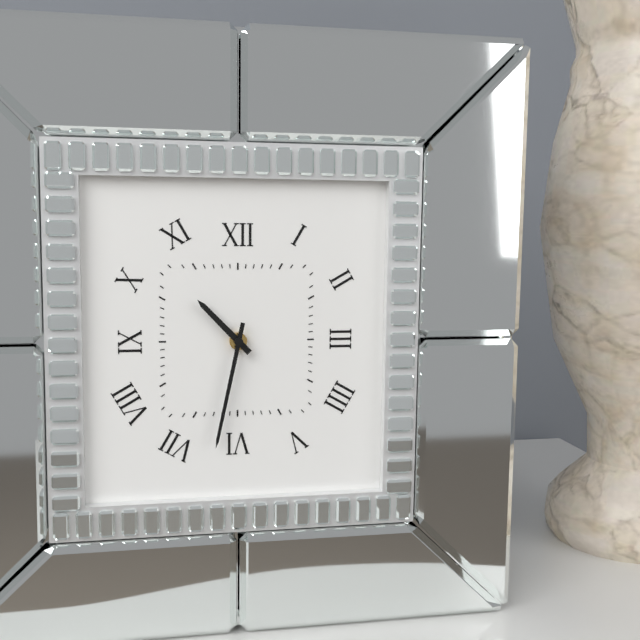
10:32
